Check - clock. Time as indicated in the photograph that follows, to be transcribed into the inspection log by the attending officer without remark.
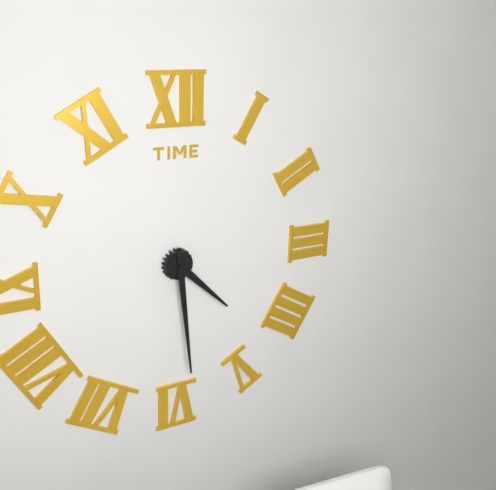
4:29
